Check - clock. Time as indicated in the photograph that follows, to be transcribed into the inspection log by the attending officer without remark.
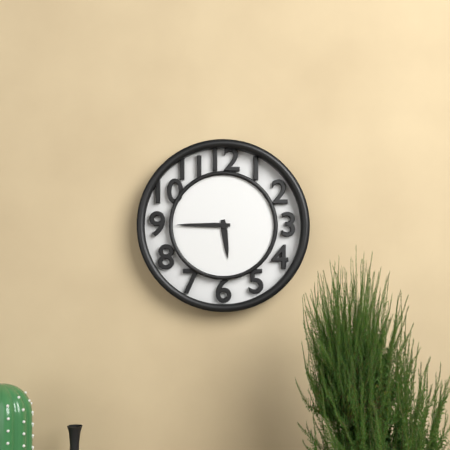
5:45
